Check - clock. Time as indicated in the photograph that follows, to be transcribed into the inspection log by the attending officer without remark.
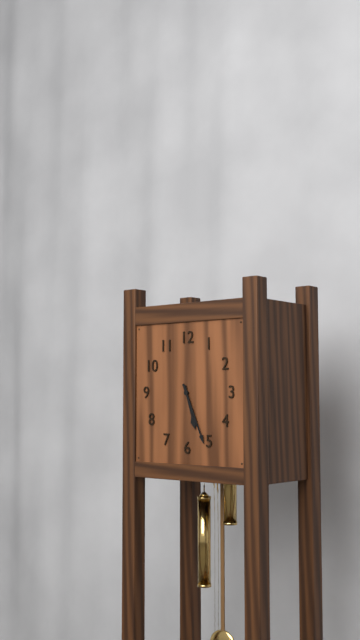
5:26
